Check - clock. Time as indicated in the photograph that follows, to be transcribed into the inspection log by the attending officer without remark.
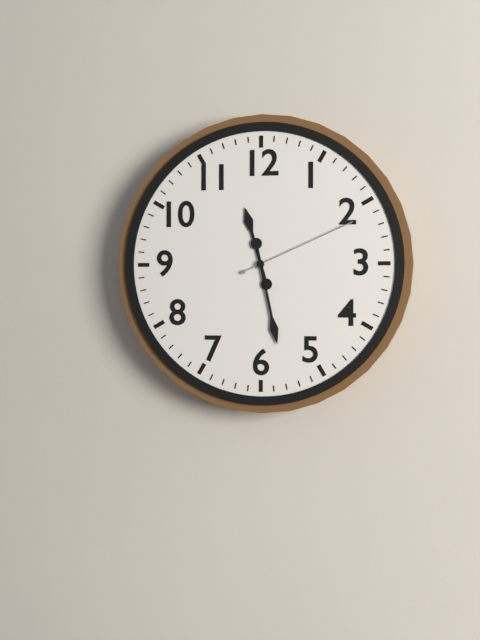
11:28:11
